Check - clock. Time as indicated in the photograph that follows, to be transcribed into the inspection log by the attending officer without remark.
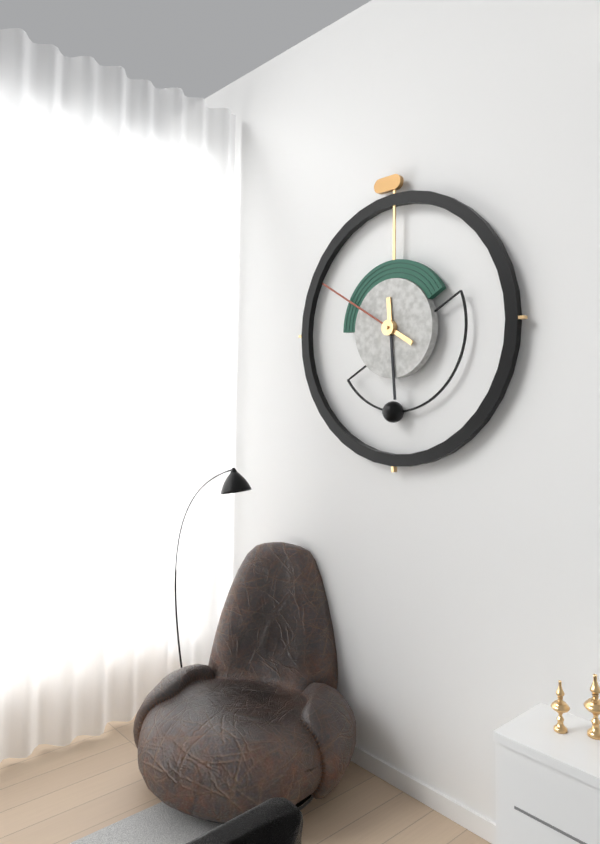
5:50
